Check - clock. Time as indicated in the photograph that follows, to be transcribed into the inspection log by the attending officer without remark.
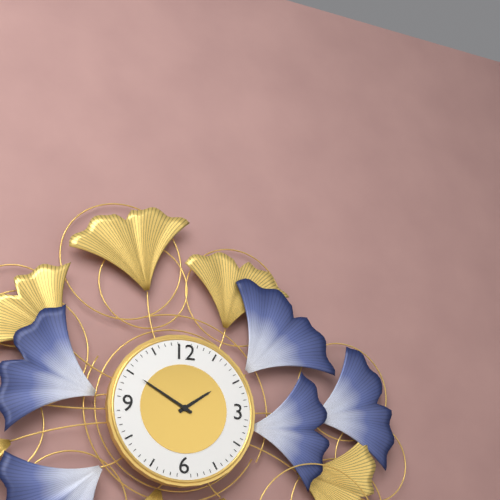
1:50
